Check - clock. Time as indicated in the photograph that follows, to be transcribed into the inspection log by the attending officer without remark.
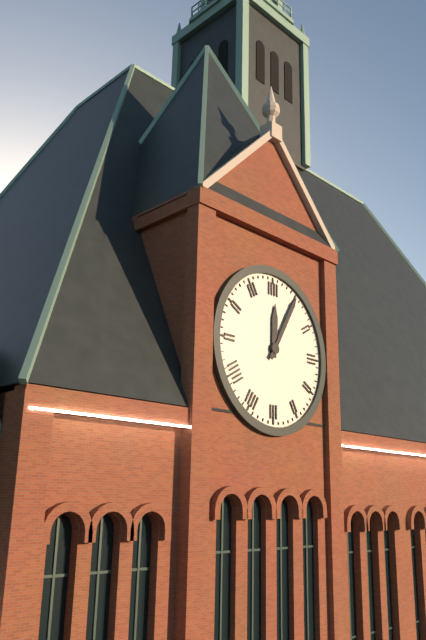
12:05
